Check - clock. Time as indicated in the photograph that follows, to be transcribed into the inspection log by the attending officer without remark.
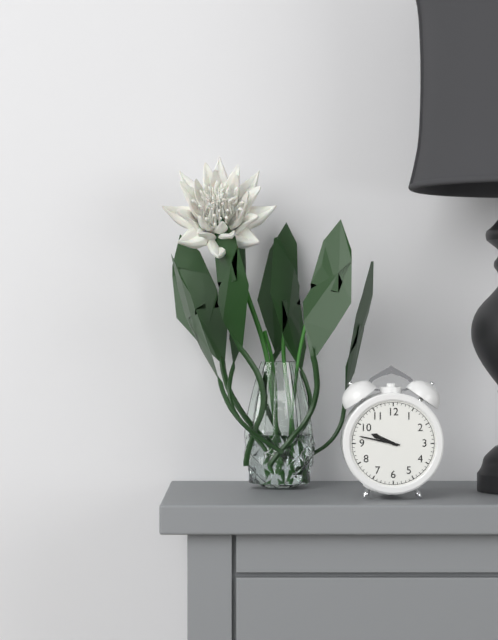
9:47
